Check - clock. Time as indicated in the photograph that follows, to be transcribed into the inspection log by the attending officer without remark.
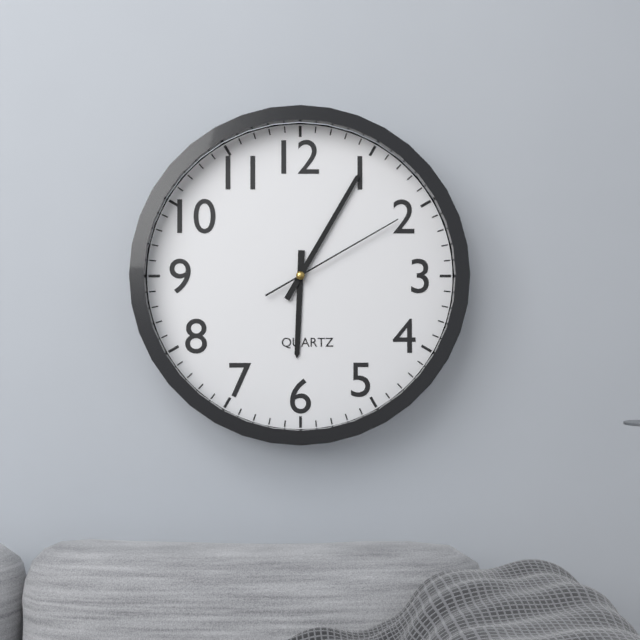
6:05:10
